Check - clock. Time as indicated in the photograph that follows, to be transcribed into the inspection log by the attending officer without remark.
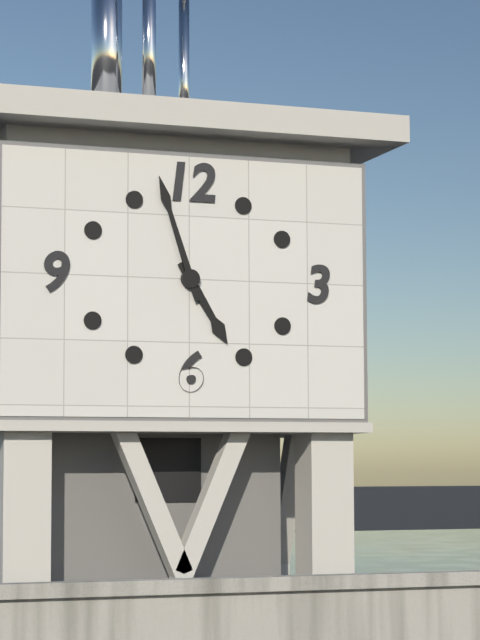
4:57
